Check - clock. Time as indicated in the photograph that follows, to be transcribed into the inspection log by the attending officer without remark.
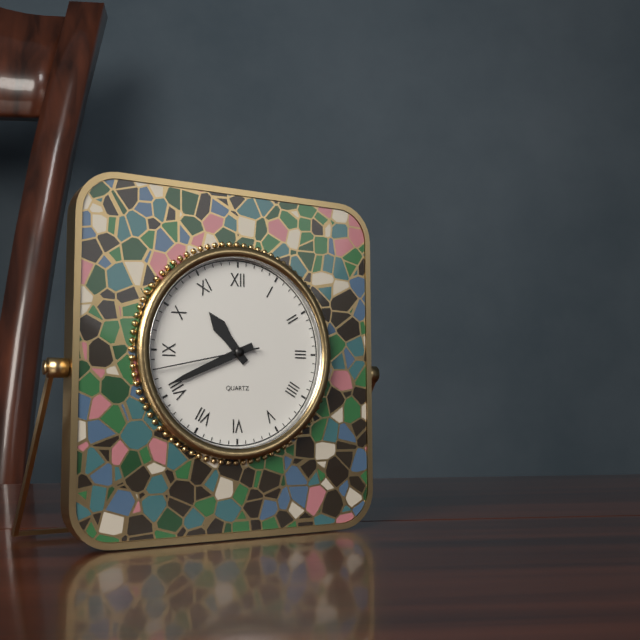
10:41:43
